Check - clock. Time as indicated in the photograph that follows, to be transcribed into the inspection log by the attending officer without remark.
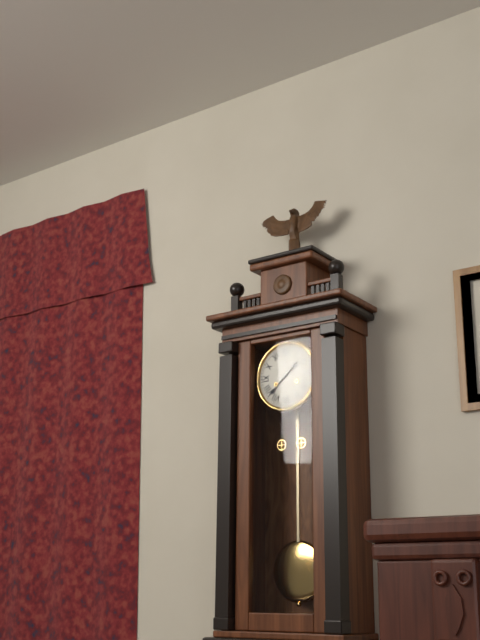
1:38
